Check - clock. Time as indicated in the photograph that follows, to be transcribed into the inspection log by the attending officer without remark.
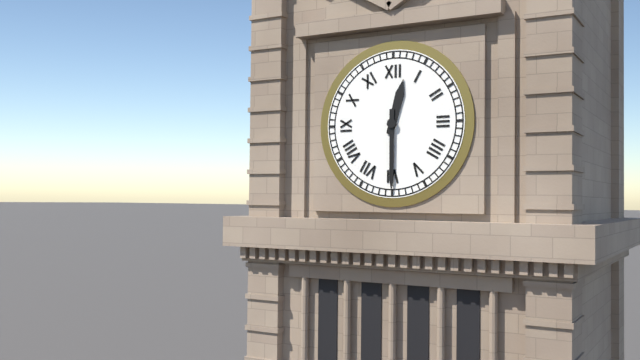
12:30
